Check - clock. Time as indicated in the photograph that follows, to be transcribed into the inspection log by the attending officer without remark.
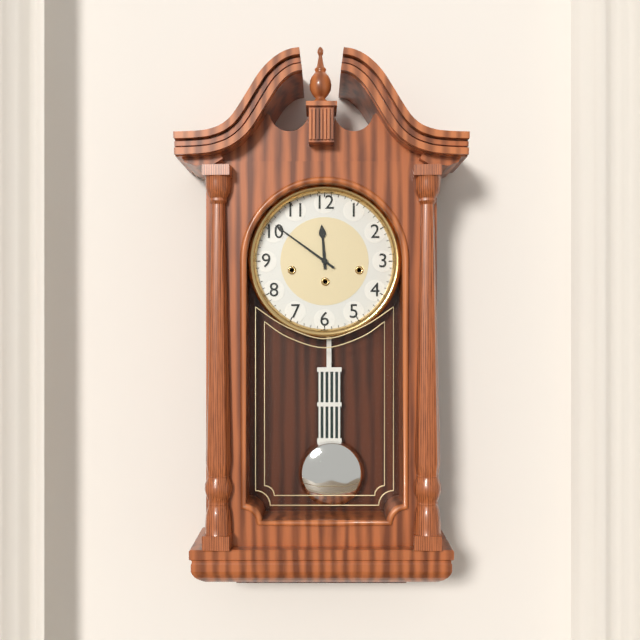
11:51
